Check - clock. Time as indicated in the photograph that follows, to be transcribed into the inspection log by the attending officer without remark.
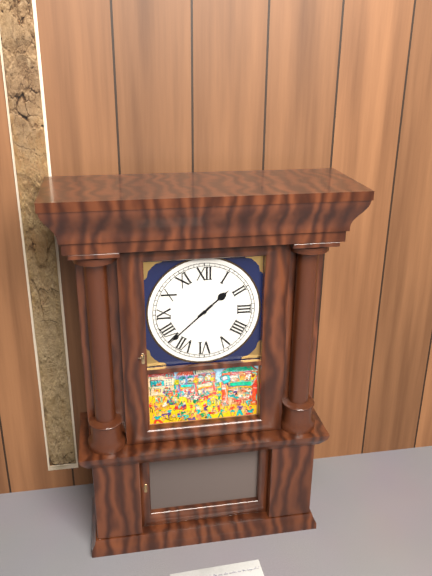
1:38
